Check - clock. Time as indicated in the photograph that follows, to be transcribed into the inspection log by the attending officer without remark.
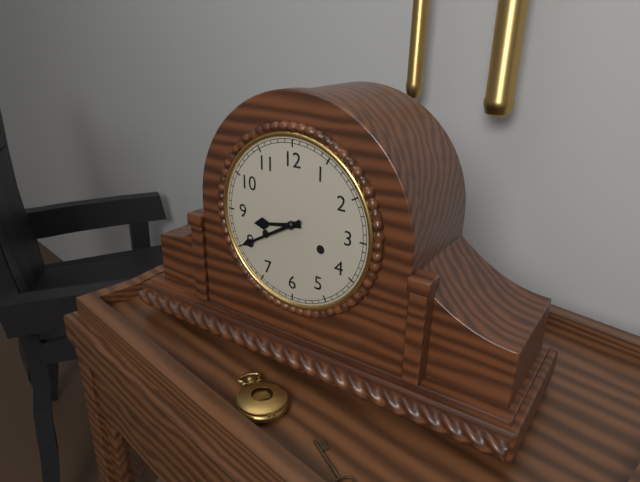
8:40
